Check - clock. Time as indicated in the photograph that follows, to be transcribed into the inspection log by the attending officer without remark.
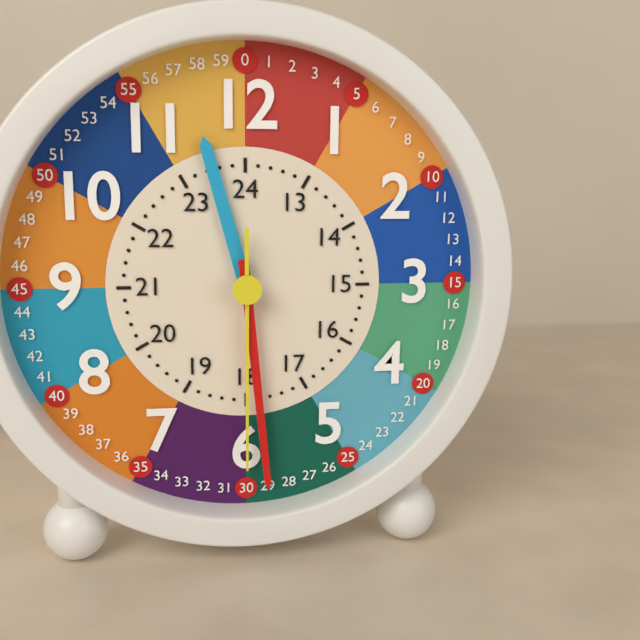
11:29:30
